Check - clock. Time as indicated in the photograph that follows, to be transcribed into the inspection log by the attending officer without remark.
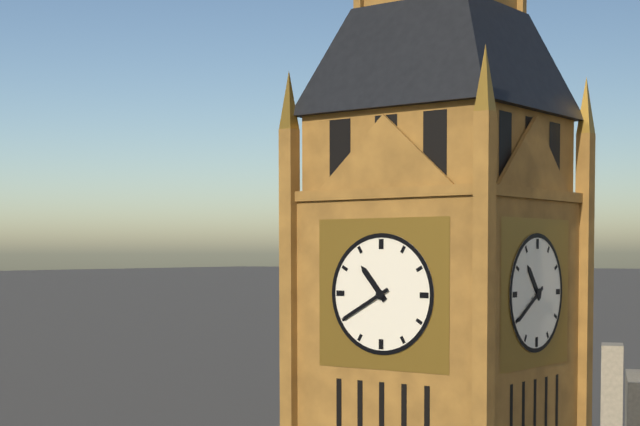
10:40
